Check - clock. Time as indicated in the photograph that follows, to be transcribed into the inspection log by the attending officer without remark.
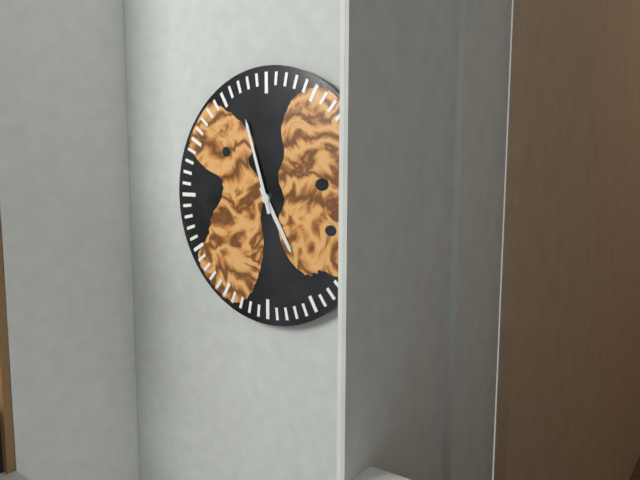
4:57
